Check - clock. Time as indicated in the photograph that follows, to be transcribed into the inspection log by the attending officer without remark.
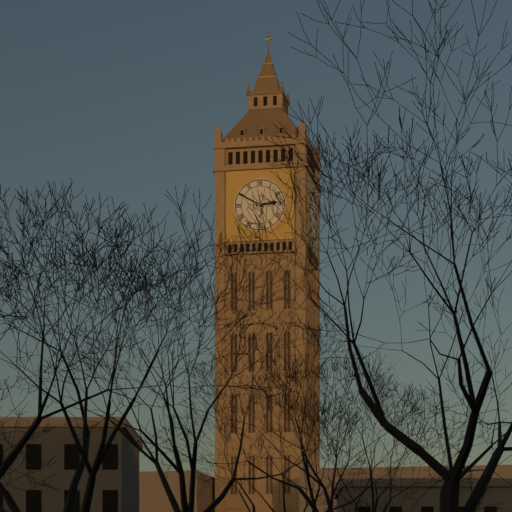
2:50
